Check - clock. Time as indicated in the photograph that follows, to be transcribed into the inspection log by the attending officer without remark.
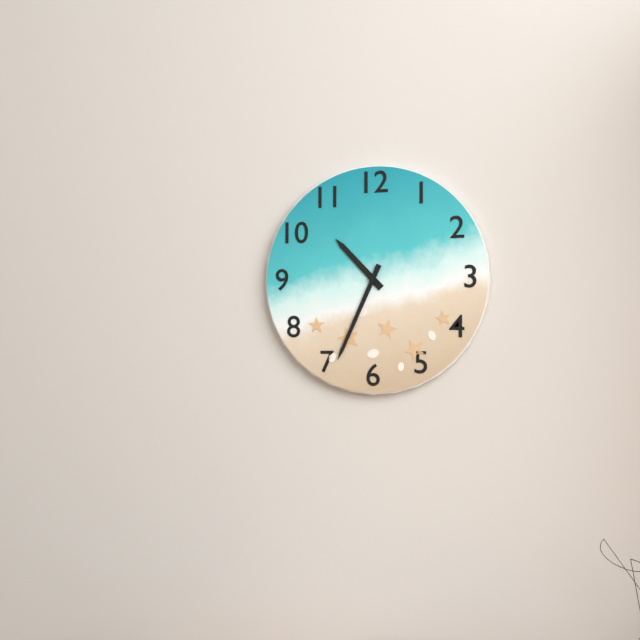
10:34
